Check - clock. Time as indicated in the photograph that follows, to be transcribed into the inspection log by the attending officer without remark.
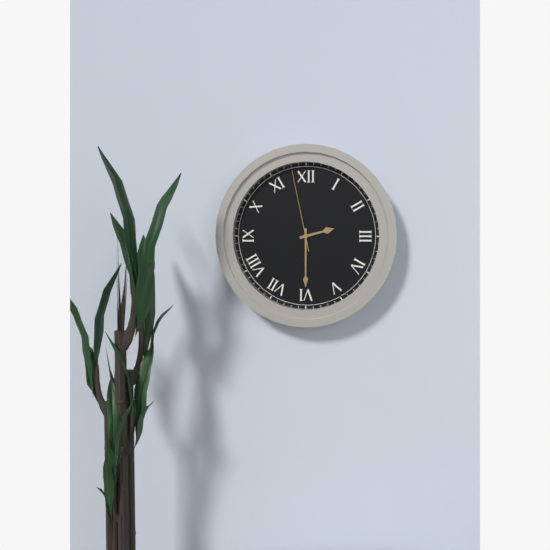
2:30:58
